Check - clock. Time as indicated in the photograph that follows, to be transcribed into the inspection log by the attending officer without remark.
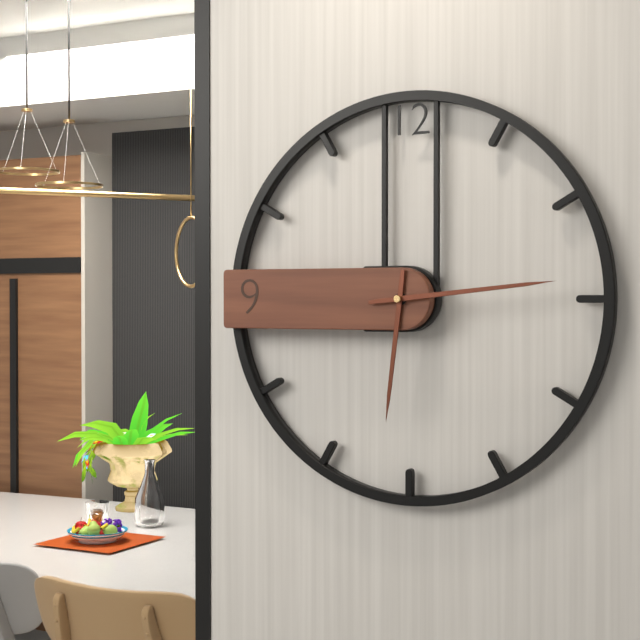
6:14
